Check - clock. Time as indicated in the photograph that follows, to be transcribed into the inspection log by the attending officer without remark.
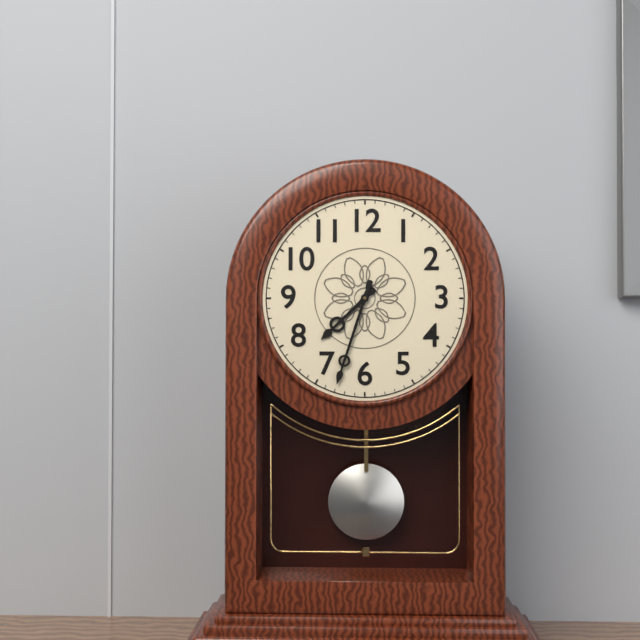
7:33
